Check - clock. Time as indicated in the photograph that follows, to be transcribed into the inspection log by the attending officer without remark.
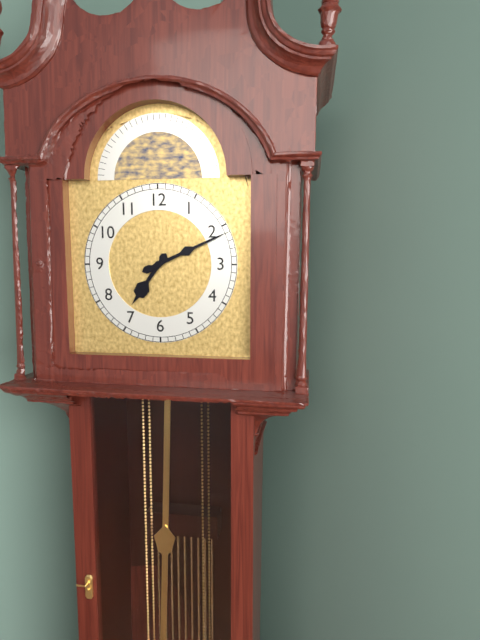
7:11
